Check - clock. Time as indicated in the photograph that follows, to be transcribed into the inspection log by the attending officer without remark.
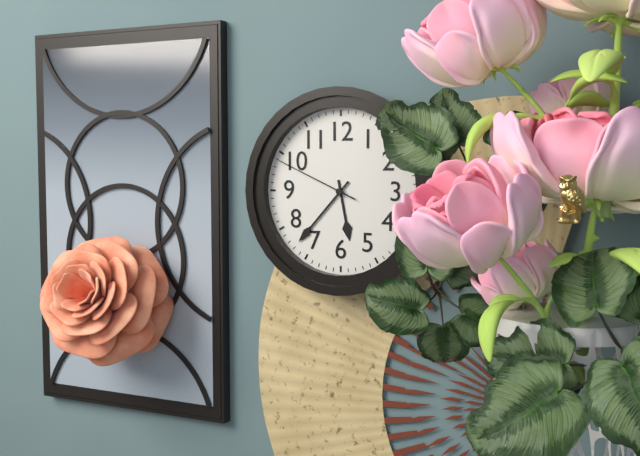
5:37:49
